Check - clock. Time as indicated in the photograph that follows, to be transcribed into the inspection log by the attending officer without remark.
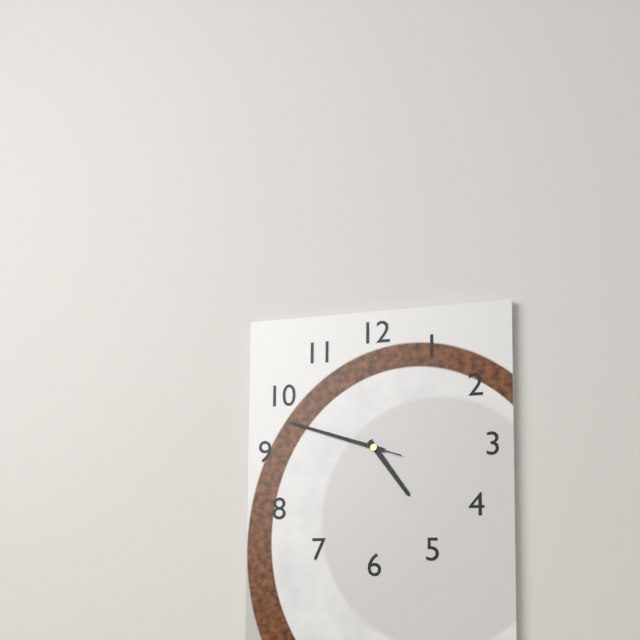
4:48:48
